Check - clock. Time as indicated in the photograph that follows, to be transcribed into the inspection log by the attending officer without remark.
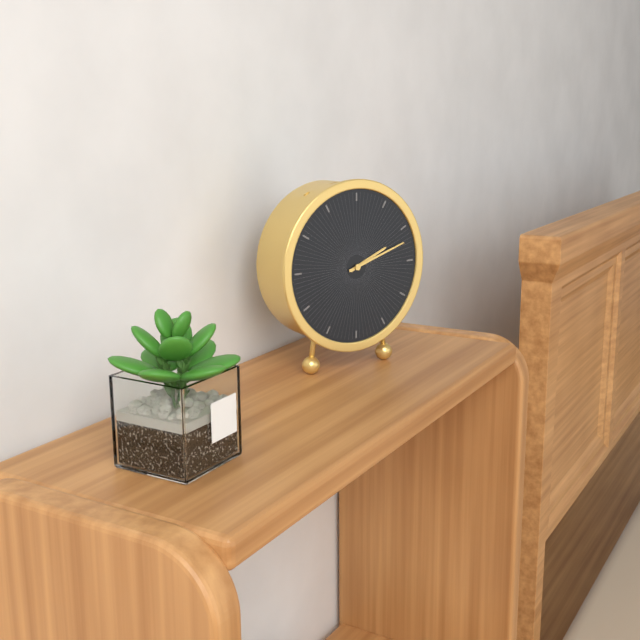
2:12
